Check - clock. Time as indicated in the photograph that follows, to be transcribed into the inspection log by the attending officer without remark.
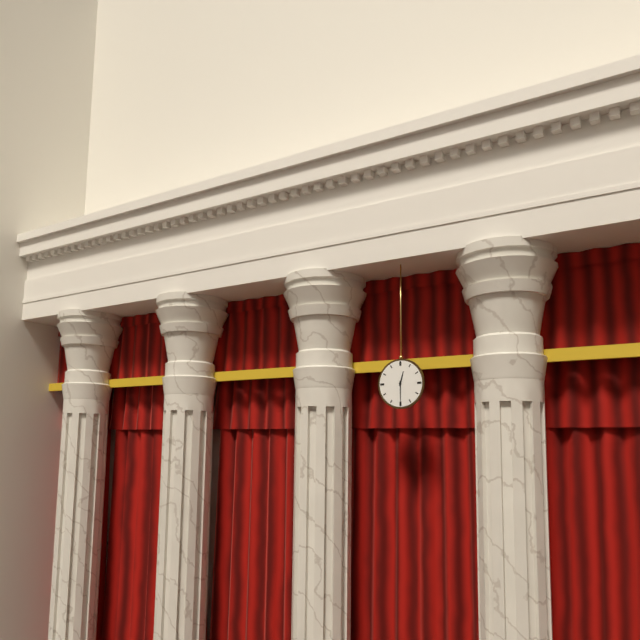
12:30
